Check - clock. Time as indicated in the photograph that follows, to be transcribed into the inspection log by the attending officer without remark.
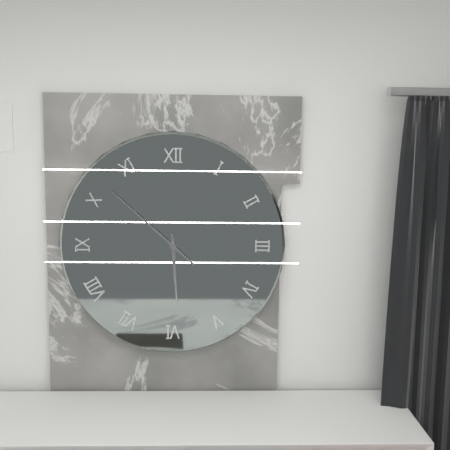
5:52
